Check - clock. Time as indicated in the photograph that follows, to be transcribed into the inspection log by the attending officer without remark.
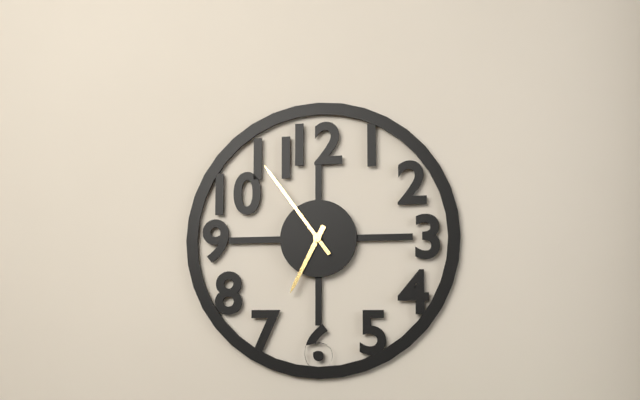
6:54
